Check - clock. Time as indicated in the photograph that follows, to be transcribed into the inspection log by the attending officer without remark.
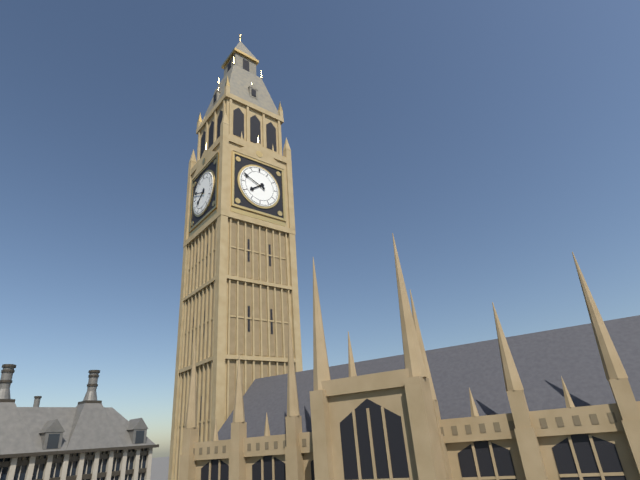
7:49
